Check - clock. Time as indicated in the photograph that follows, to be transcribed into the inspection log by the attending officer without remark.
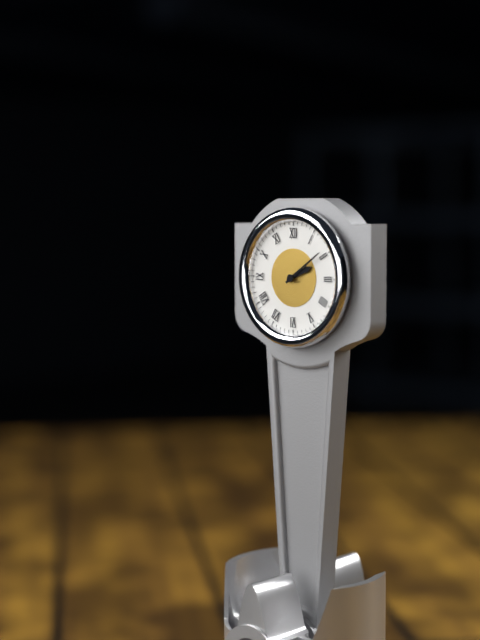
2:09
